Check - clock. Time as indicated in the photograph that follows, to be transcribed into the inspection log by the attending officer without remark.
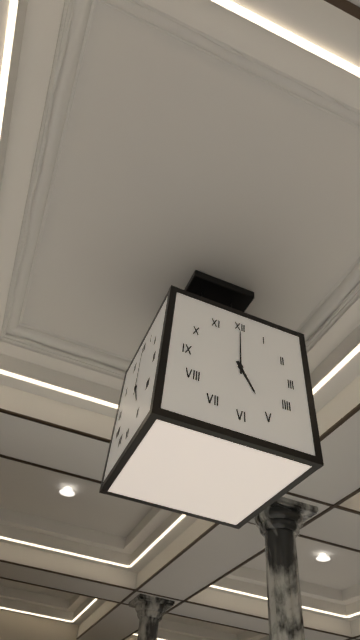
5:00
